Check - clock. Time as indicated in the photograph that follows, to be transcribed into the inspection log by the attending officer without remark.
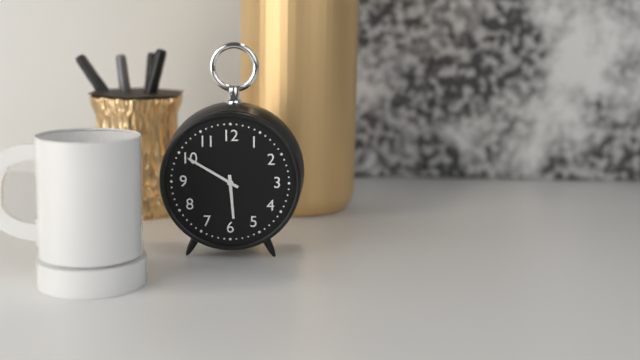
5:50
